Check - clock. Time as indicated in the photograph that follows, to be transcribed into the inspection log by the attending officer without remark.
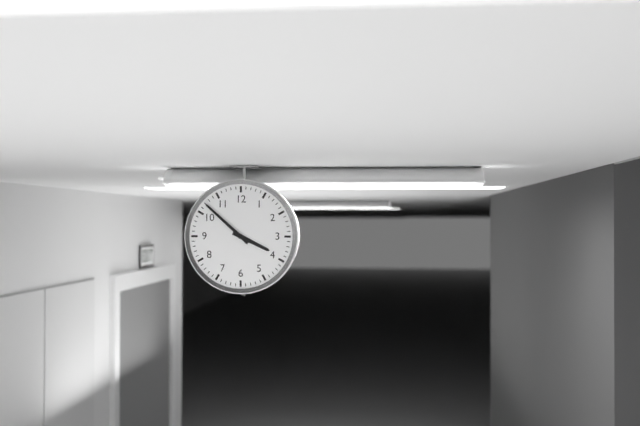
3:52
